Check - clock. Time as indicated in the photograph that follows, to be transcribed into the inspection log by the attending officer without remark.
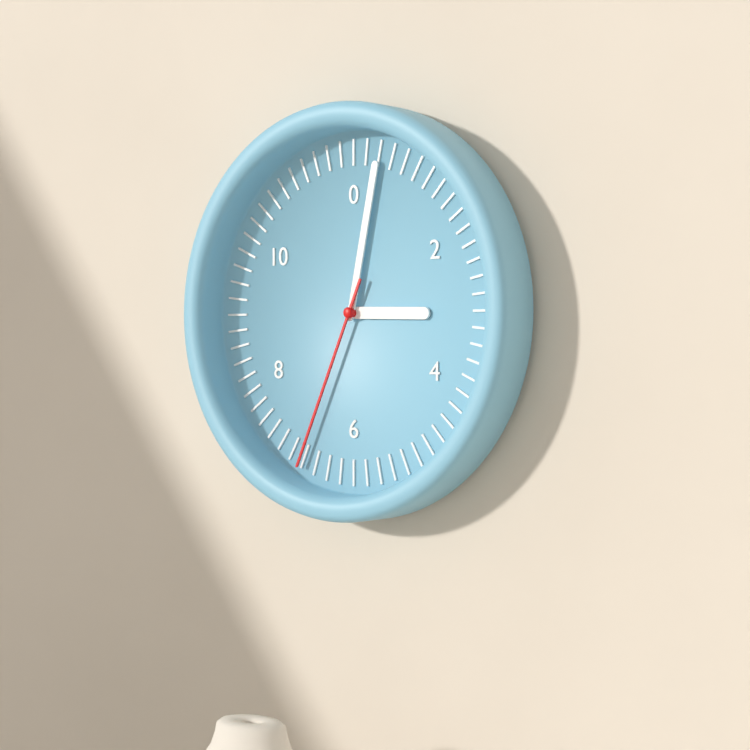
3:02:34
